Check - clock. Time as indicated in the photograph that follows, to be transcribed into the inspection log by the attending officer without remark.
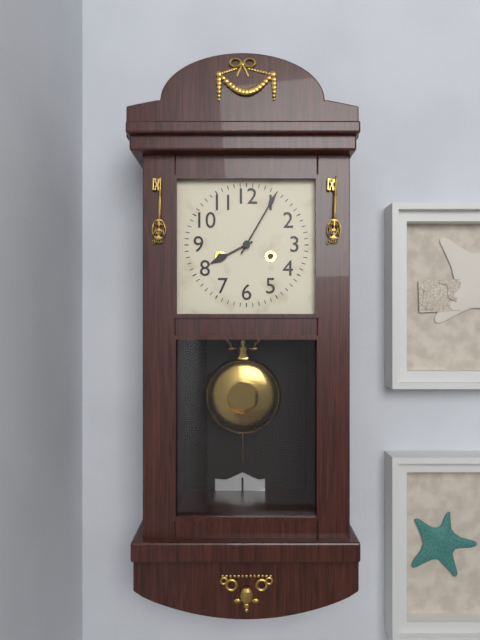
8:05
